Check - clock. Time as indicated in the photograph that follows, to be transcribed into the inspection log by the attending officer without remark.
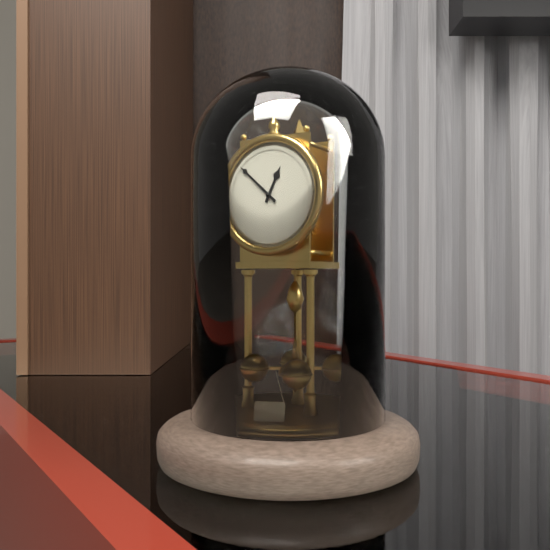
12:52
